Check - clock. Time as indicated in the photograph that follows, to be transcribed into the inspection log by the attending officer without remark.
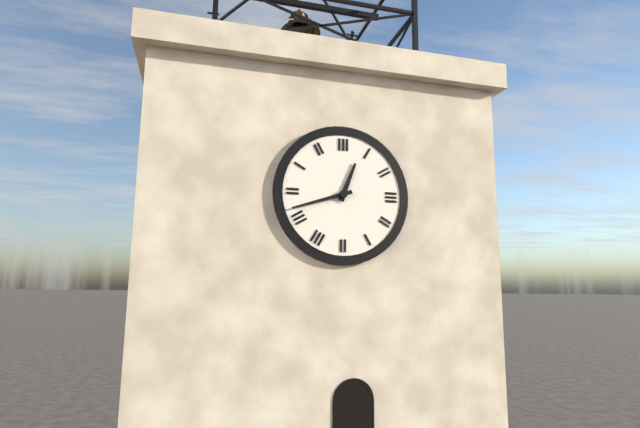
12:42
